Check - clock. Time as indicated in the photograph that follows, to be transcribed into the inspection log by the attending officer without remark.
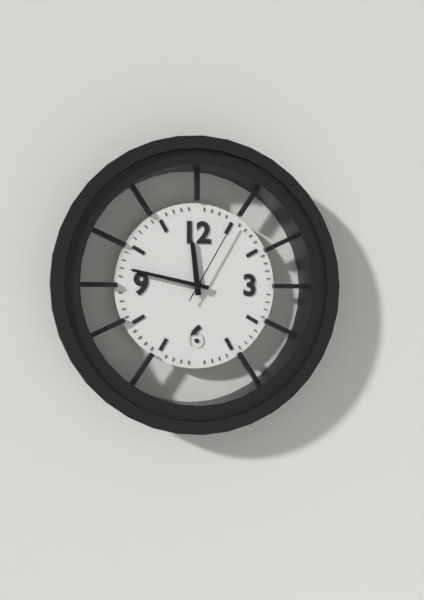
11:47:05
